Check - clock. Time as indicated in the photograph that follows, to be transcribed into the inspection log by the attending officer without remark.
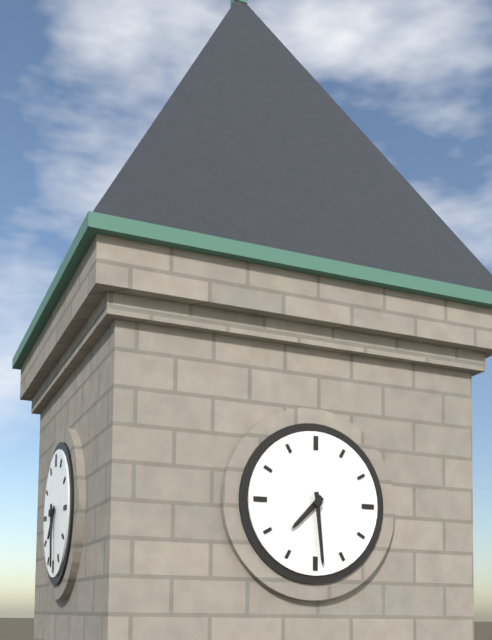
7:29
